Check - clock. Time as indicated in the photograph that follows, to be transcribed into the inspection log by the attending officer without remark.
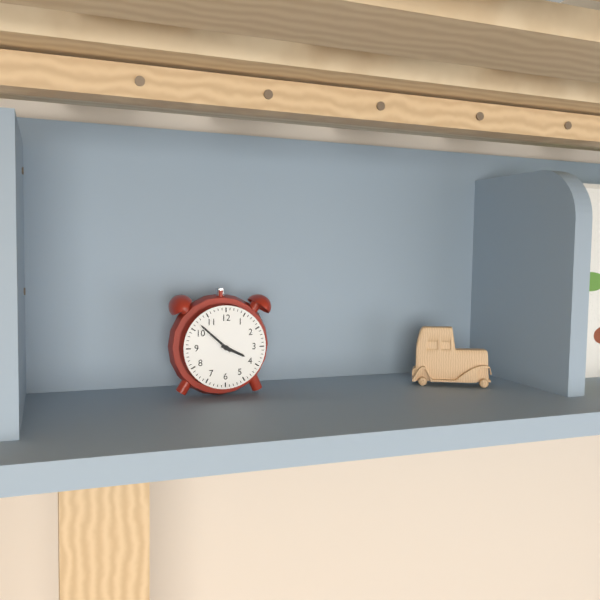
3:52
